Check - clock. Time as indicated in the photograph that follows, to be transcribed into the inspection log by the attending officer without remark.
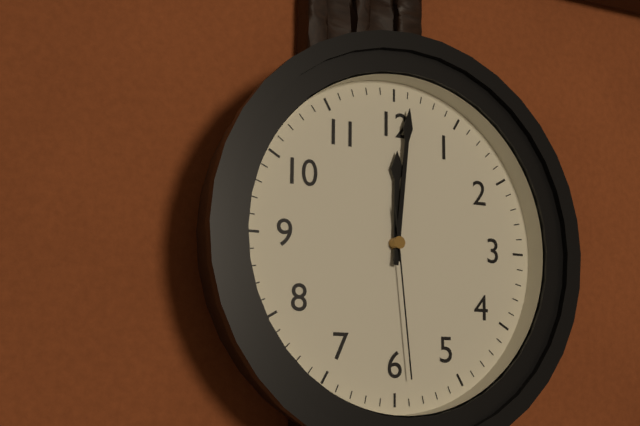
12:01:29
